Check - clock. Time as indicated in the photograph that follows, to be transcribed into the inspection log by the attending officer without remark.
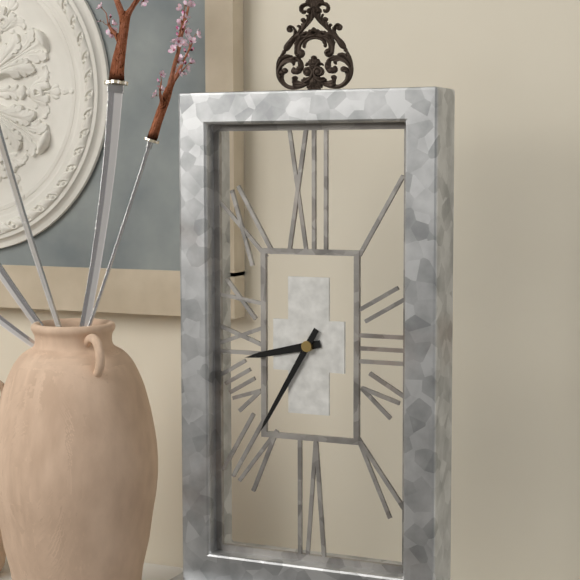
8:35
